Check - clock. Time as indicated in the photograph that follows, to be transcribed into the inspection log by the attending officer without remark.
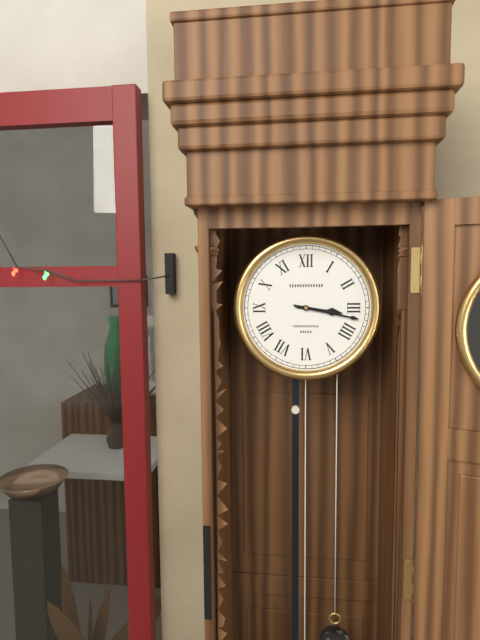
3:17
